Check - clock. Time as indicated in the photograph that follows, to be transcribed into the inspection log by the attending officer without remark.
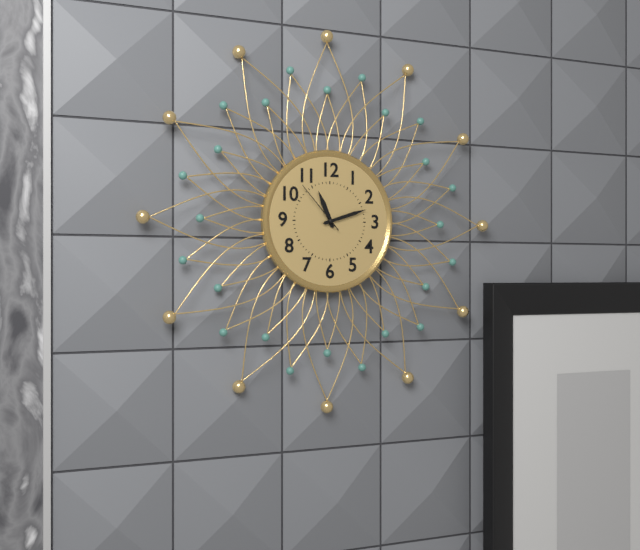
11:12:53
